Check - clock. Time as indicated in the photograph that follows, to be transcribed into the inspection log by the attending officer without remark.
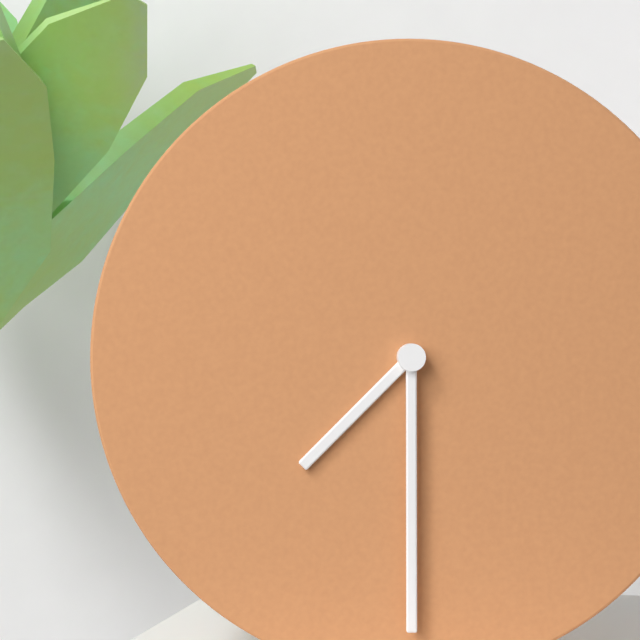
7:30
